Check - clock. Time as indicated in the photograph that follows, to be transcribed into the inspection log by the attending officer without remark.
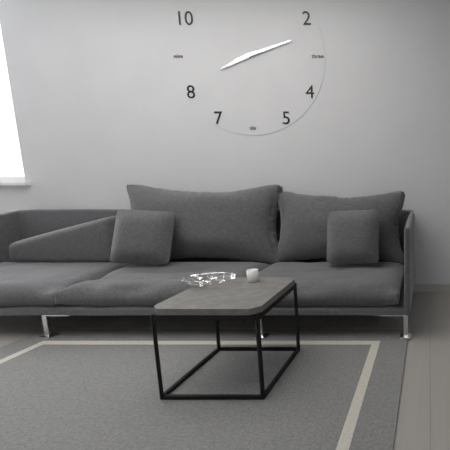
8:12
